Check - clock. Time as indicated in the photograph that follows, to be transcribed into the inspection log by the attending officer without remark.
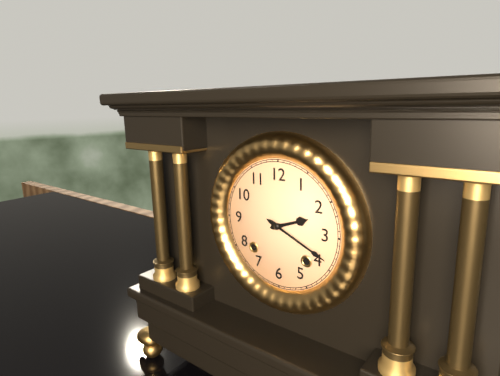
2:19
